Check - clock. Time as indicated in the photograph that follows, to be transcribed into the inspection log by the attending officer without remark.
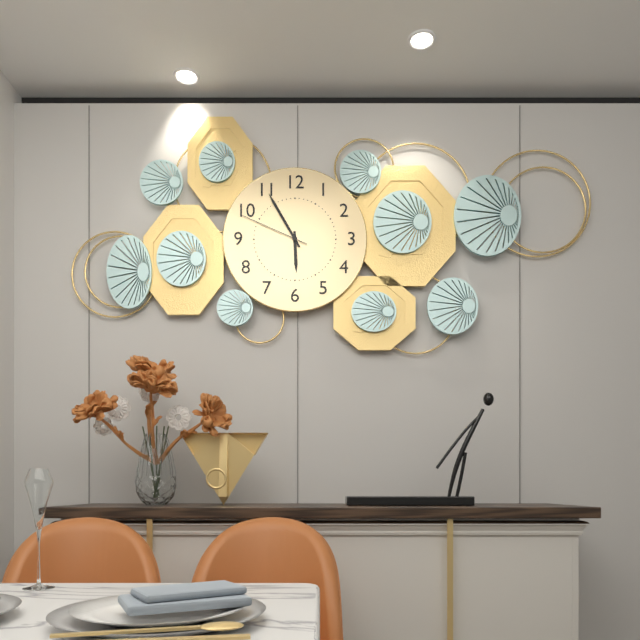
5:55:49
